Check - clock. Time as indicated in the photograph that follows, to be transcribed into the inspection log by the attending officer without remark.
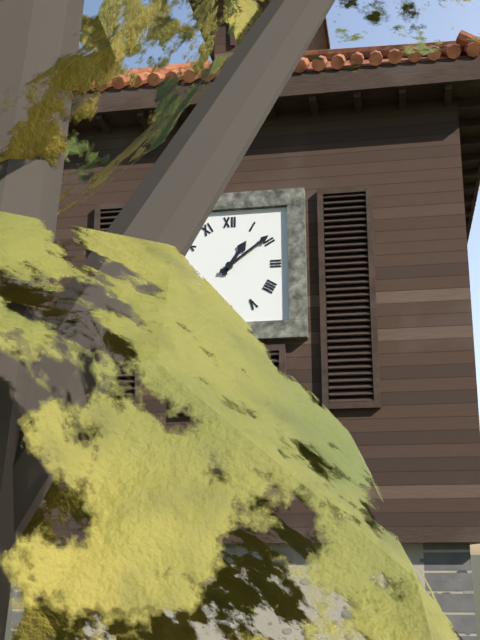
1:09
